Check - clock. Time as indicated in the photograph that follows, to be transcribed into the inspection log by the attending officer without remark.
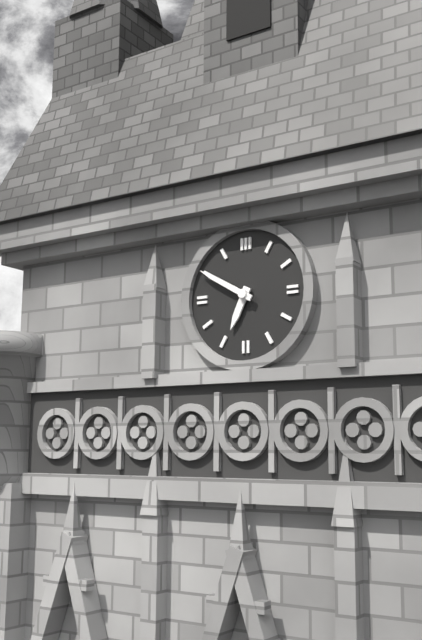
6:50
